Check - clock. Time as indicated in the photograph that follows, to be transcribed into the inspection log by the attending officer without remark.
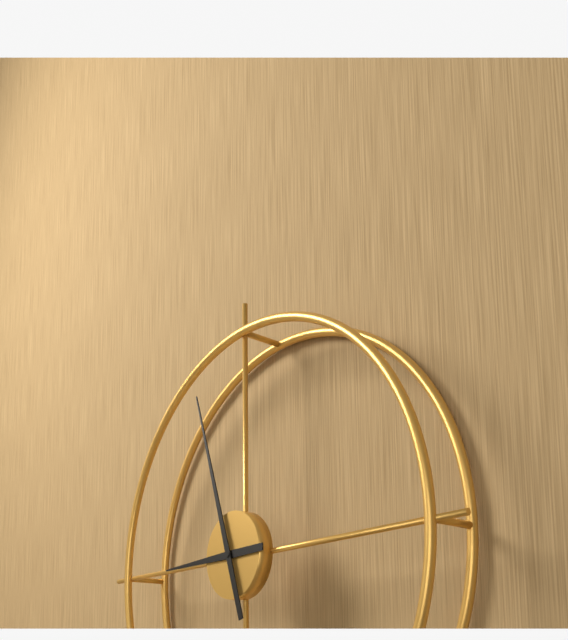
8:57
